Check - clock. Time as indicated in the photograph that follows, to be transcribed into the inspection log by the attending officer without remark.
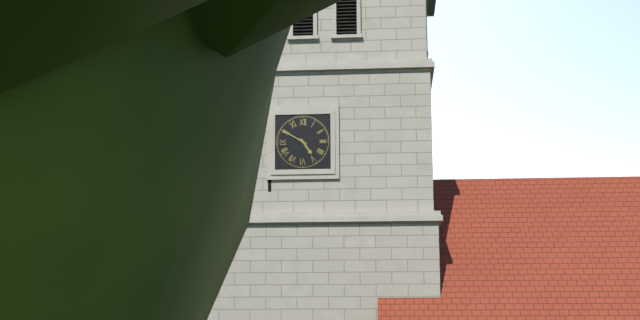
4:50
